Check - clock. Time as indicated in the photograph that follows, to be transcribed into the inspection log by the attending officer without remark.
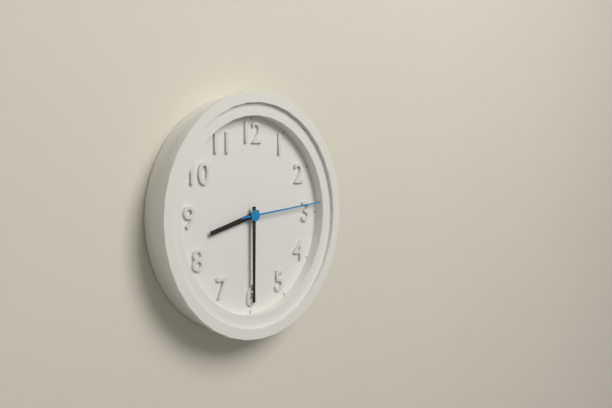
8:30:14
